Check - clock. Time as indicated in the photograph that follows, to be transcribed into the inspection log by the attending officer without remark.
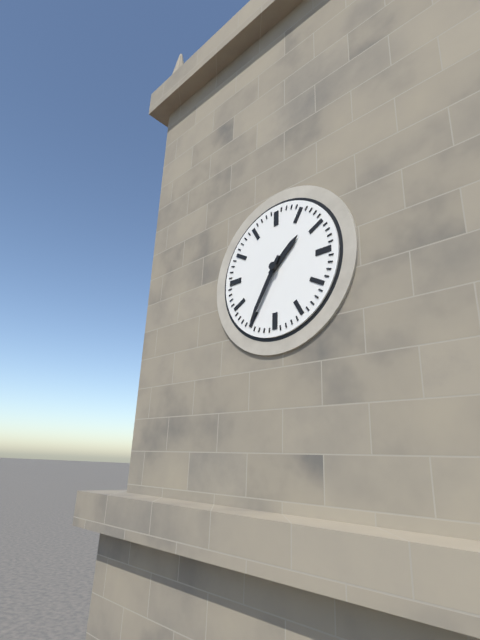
1:35
